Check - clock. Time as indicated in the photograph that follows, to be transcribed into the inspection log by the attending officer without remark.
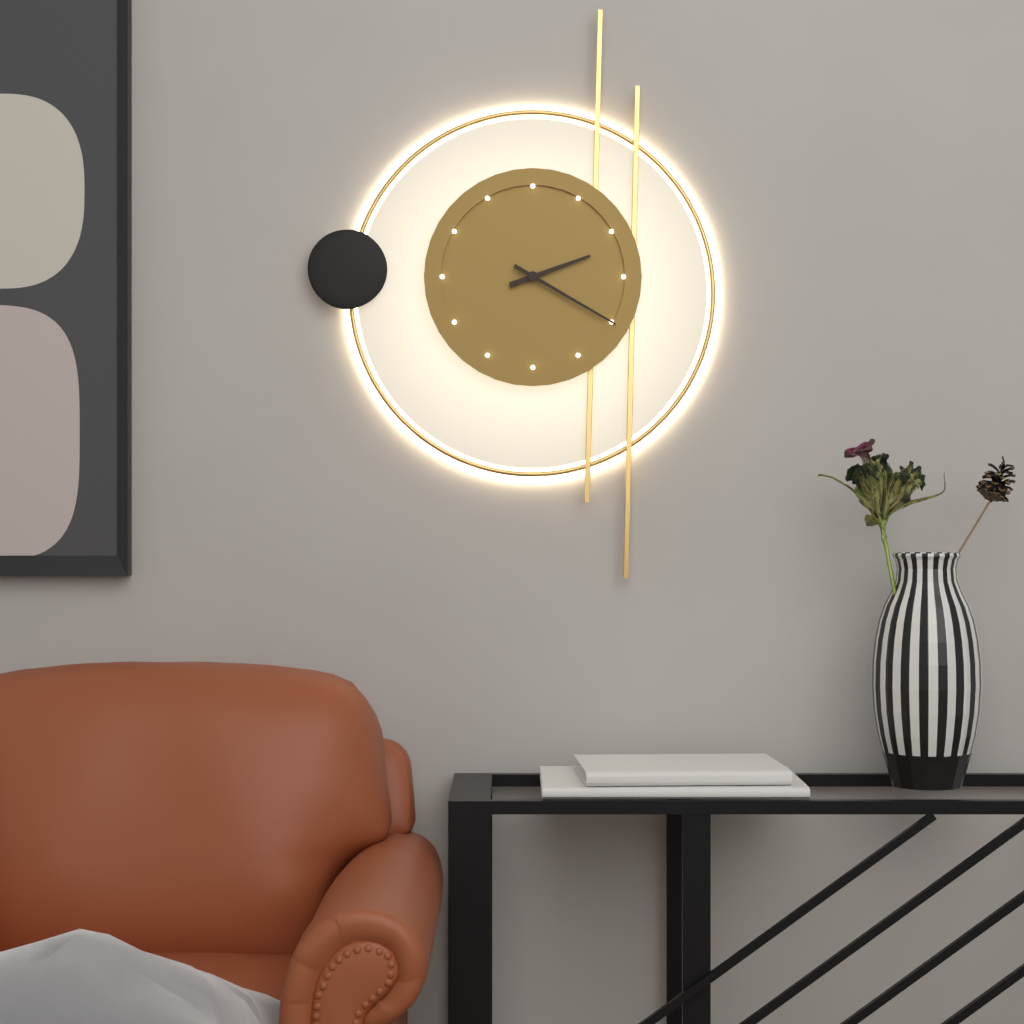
2:20
